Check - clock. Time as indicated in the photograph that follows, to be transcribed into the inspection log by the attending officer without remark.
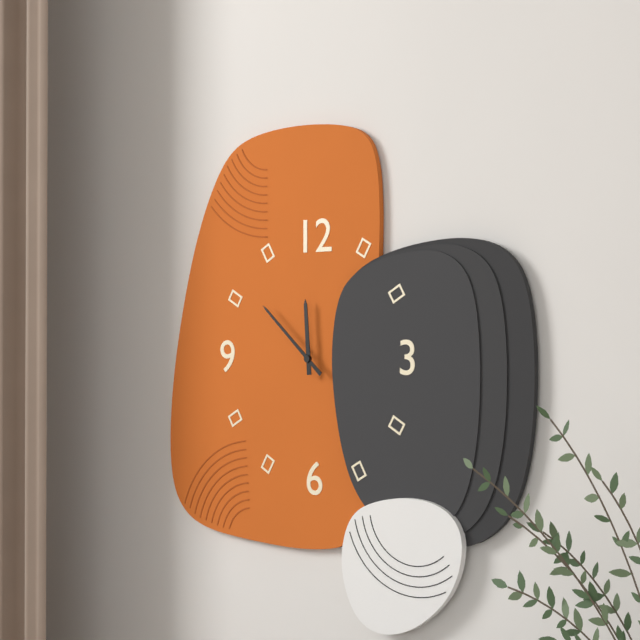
11:52
